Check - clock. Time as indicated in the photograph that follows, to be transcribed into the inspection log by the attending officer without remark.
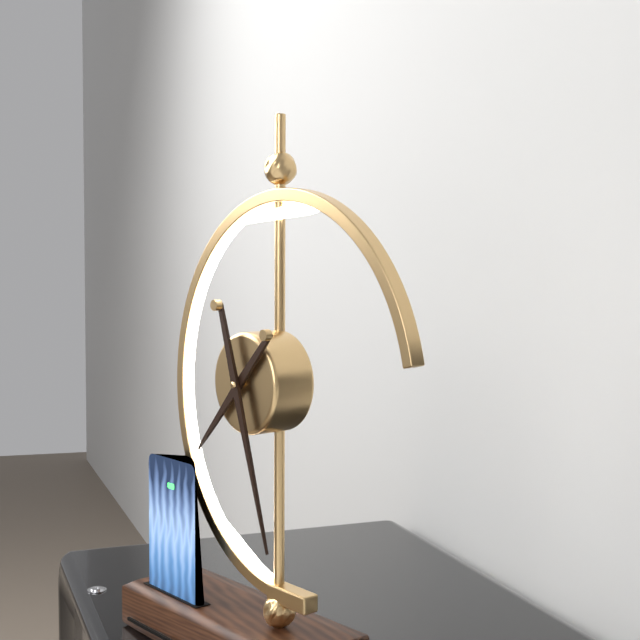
7:27
